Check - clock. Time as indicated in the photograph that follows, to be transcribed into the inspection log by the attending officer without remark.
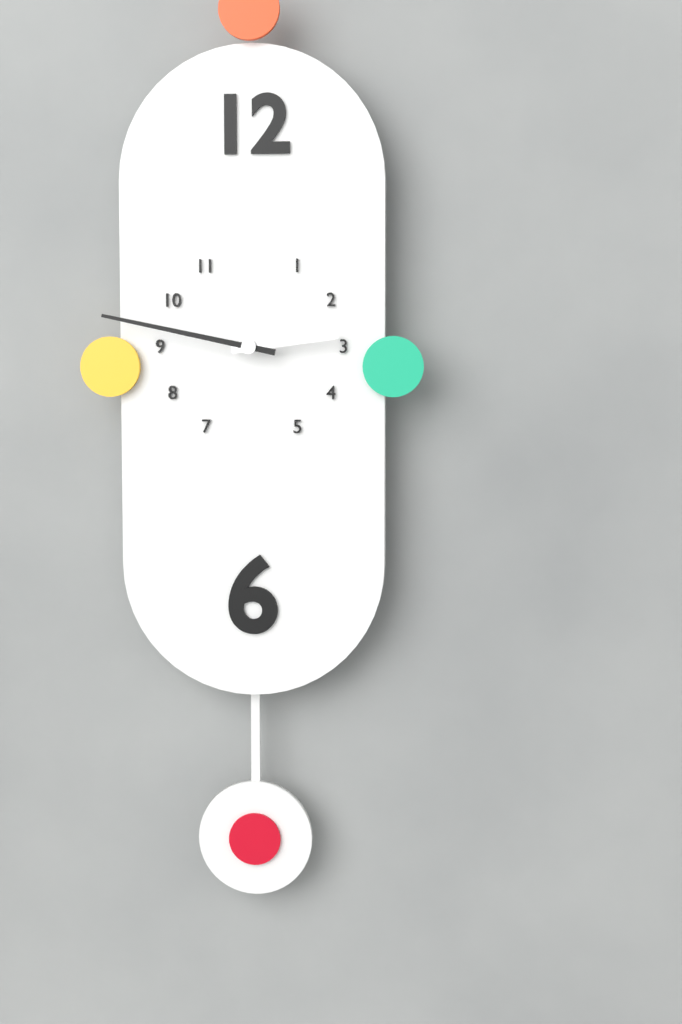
2:47
